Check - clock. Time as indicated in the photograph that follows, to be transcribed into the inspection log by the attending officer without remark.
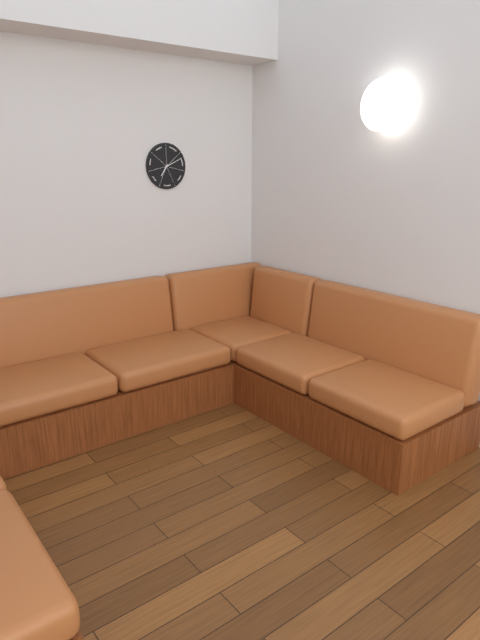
7:11
